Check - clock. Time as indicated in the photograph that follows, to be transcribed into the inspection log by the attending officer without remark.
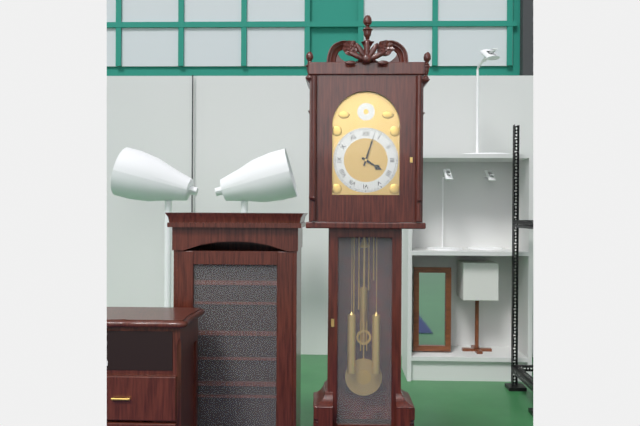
4:03
